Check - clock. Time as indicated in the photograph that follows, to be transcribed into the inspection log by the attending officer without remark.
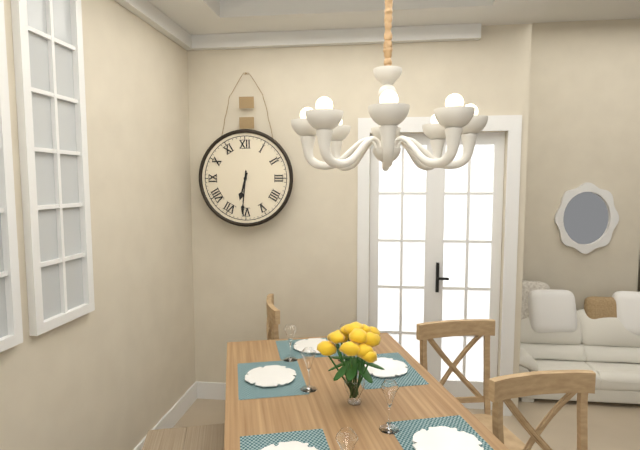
6:31
